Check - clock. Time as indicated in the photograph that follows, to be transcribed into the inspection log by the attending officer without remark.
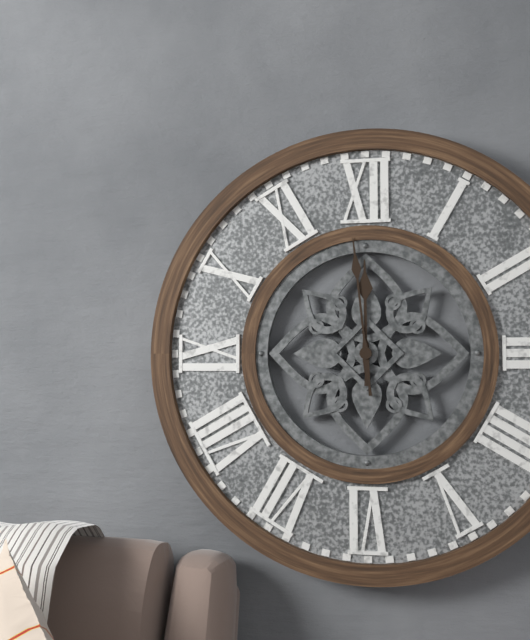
11:59
